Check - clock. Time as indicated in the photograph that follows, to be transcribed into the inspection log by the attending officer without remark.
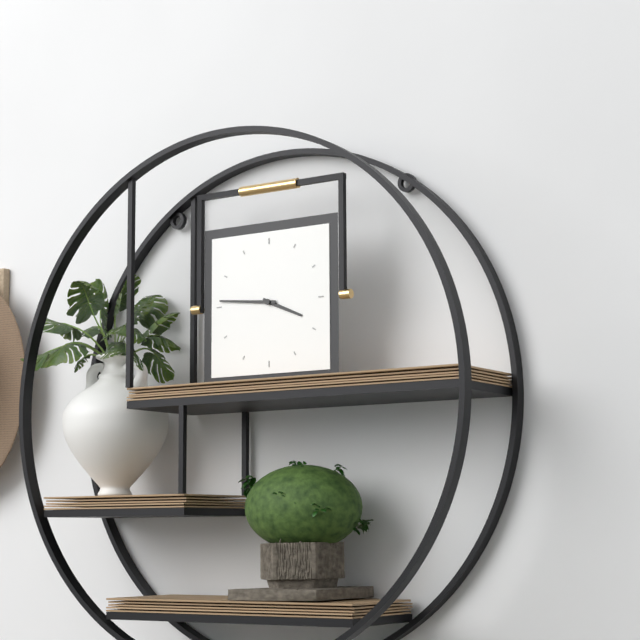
3:46
